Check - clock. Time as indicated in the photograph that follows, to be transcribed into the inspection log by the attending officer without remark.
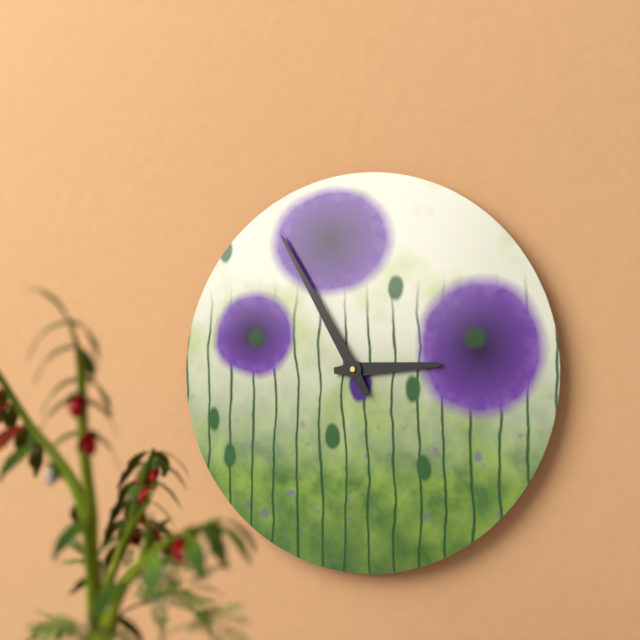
2:55
